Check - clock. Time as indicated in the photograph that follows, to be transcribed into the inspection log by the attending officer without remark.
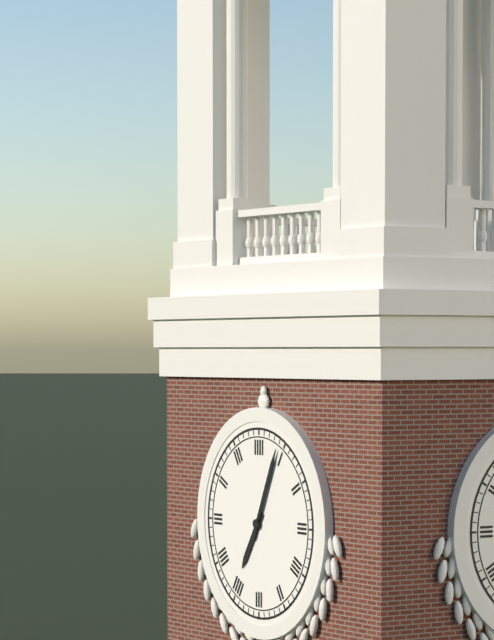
7:04
